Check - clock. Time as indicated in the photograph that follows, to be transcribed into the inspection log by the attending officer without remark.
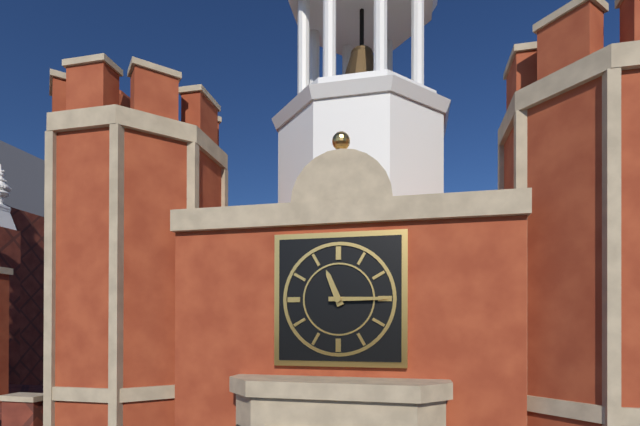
11:15
